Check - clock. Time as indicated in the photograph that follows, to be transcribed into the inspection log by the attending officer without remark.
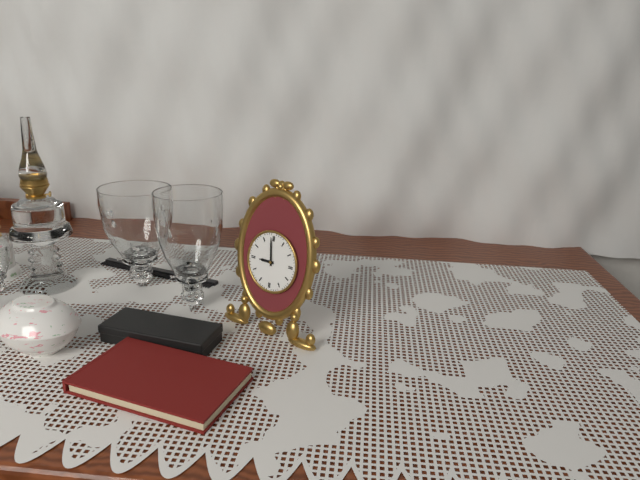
8:59
